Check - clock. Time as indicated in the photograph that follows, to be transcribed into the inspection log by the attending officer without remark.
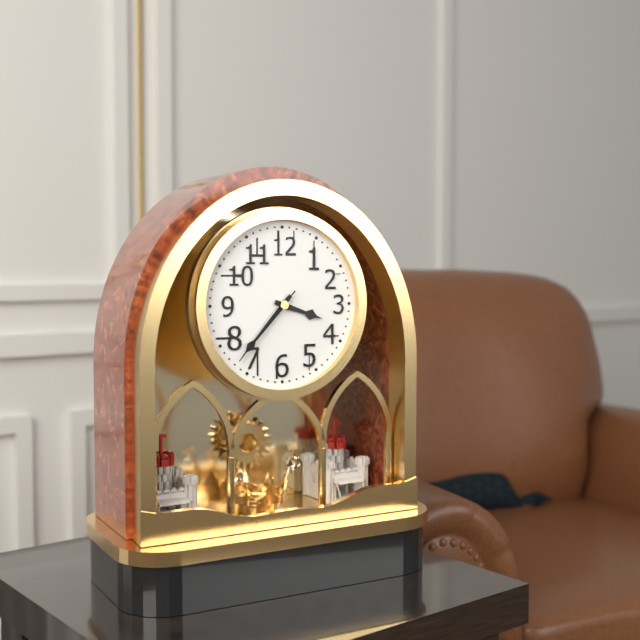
3:37:37
